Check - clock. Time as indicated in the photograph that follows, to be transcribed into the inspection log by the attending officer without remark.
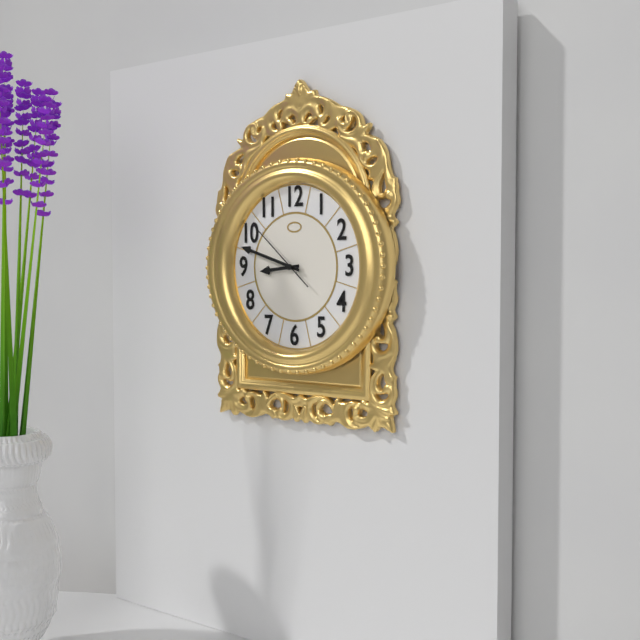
8:48:52
